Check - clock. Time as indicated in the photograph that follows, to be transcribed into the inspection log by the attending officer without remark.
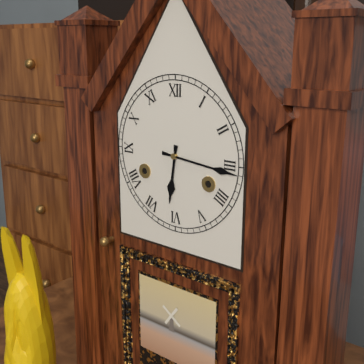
6:16
